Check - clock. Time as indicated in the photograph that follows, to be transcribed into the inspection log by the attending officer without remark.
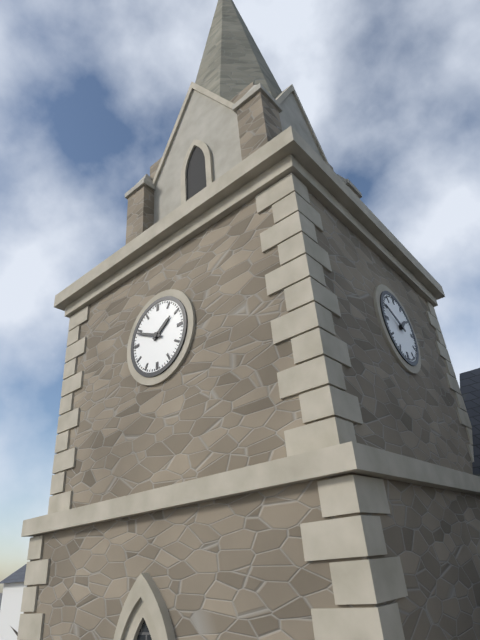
1:49
